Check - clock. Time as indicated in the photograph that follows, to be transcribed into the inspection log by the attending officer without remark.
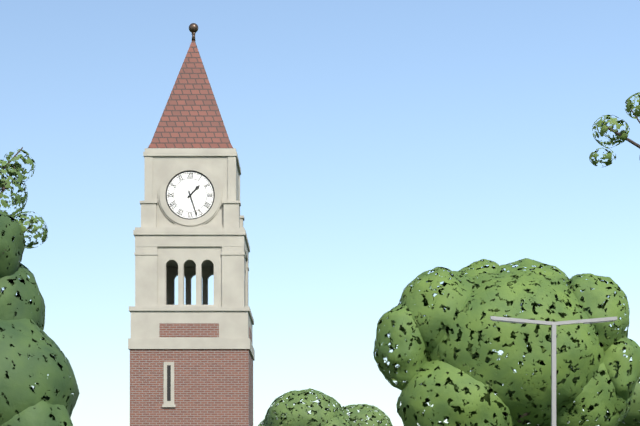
1:27
